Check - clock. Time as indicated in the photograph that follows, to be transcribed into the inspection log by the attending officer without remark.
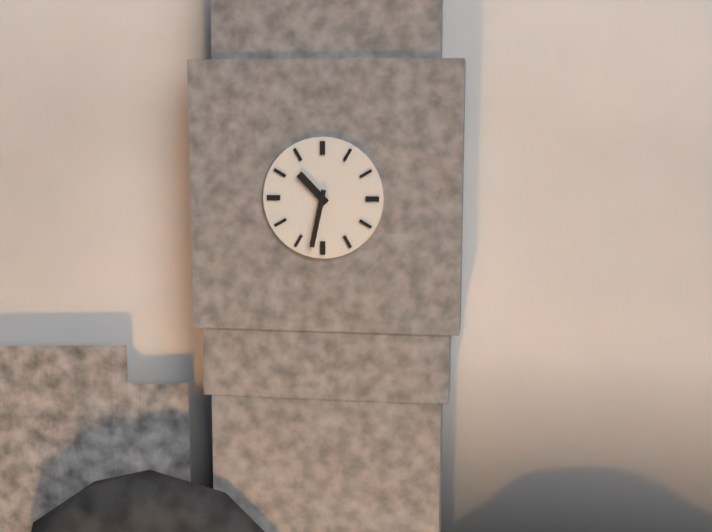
10:32
